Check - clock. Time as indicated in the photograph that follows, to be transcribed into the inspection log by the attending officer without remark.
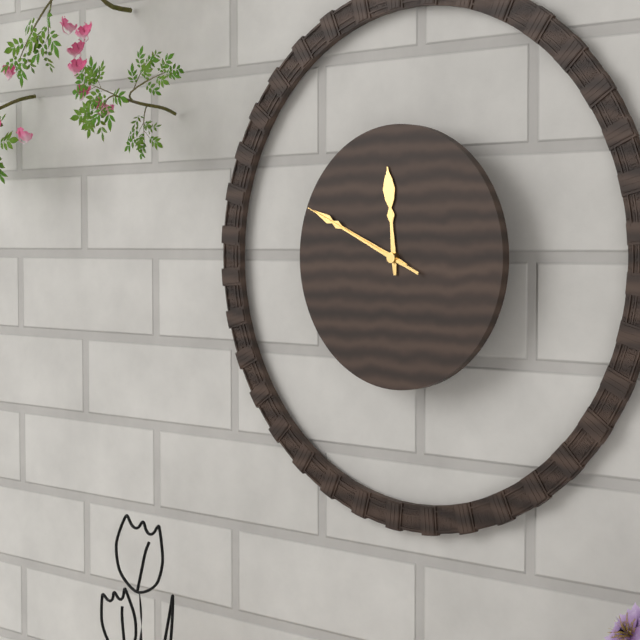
11:49:49
